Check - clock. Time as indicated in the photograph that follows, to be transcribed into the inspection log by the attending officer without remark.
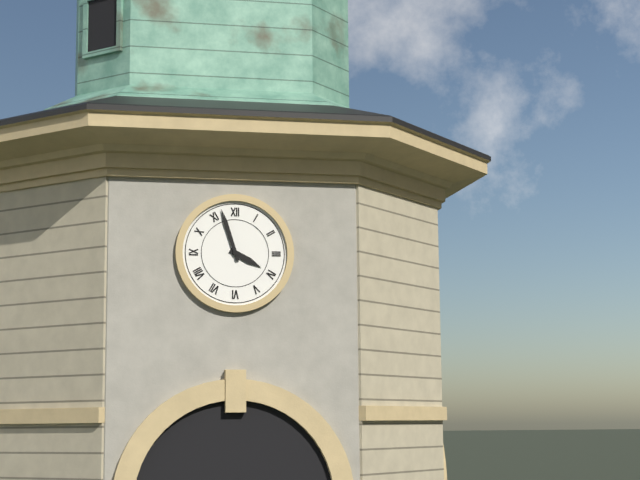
3:57
